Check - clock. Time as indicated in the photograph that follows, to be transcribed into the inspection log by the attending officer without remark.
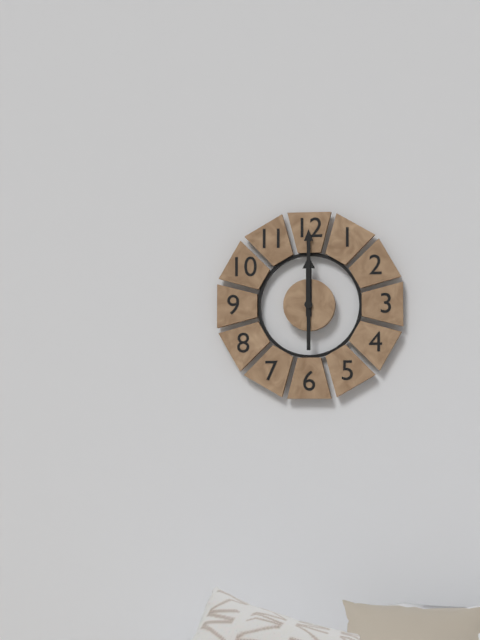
12:00
